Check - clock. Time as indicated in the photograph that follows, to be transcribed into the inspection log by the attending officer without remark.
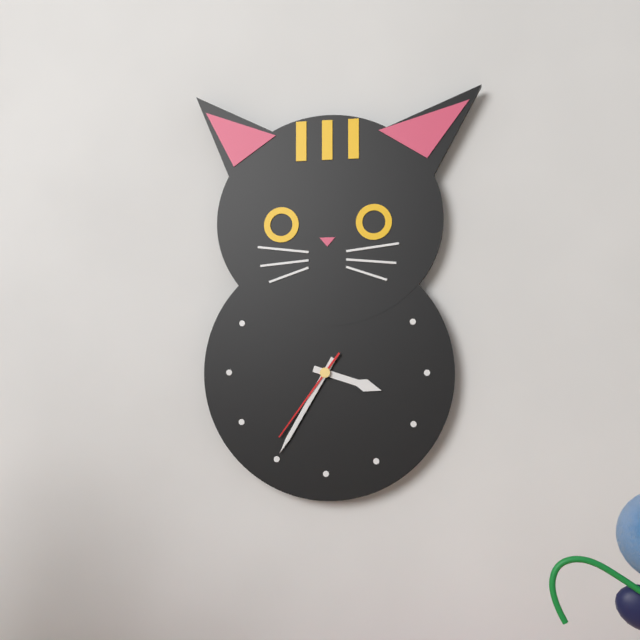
3:35:36
